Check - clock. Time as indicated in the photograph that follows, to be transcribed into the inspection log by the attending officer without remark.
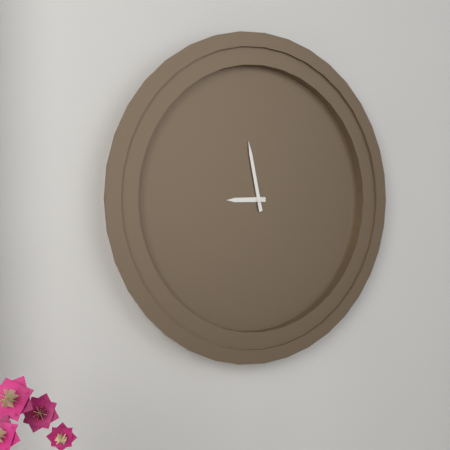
8:58
